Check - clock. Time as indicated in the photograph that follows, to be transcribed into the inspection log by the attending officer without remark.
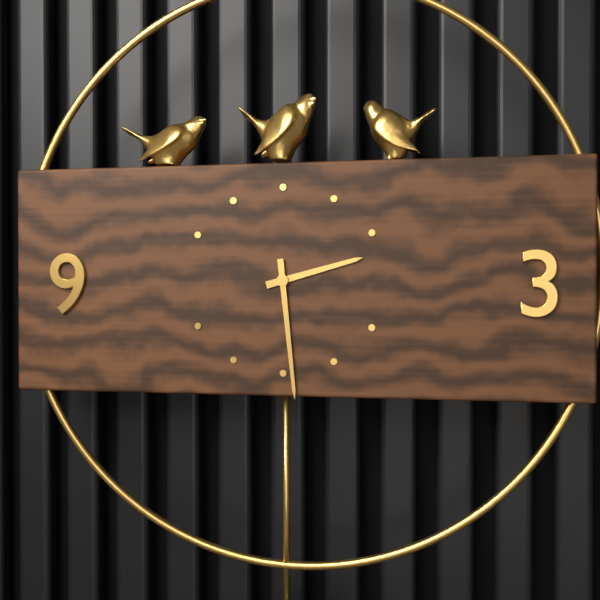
2:29
